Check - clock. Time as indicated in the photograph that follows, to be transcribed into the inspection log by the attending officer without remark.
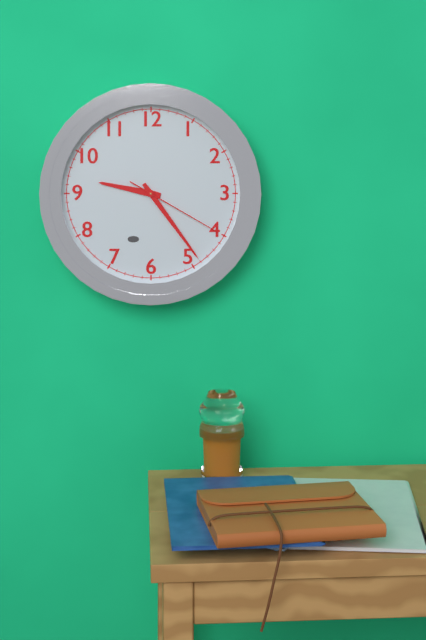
9:24:20
